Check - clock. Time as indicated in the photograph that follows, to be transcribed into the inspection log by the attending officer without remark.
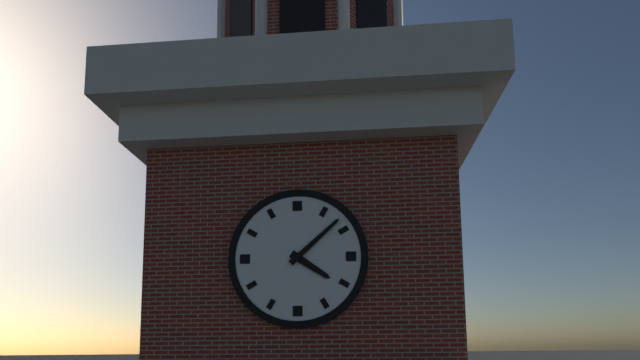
4:08
